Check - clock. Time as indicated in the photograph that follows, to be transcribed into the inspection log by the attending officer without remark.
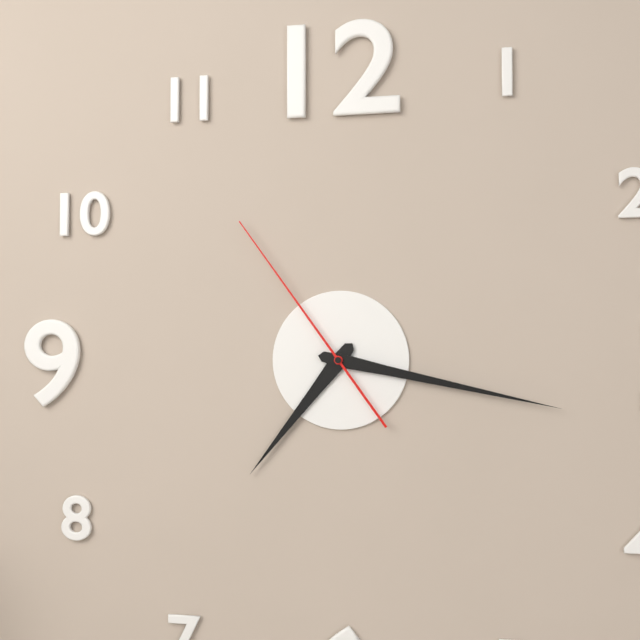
7:17:54
